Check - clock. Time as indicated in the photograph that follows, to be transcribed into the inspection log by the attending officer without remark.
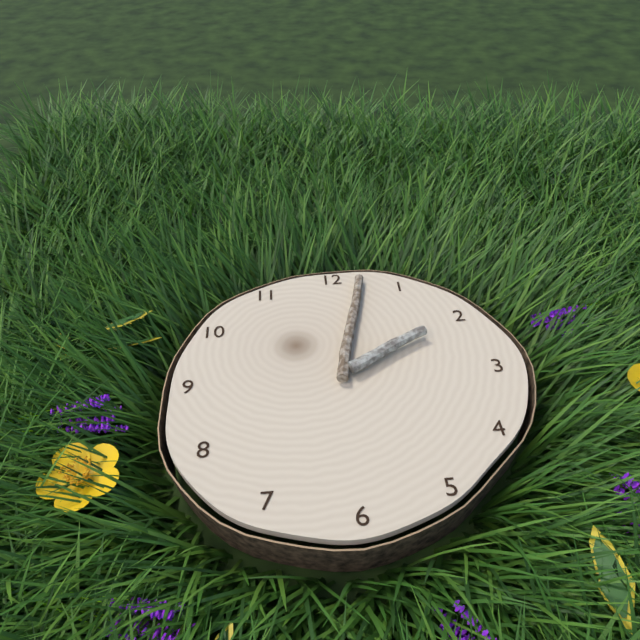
2:02
